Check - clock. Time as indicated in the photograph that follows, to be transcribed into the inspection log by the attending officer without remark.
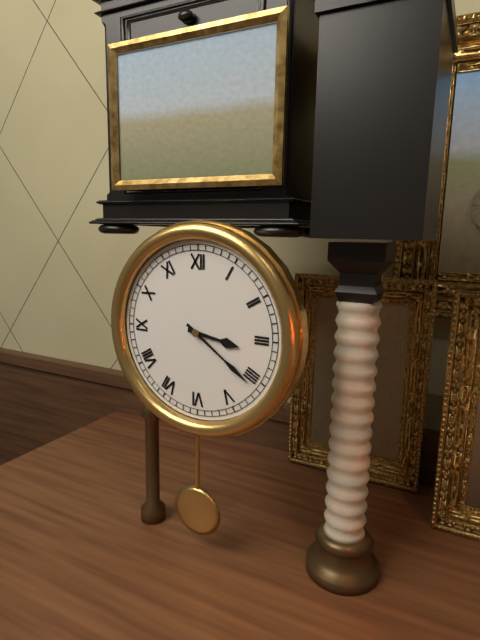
3:21
